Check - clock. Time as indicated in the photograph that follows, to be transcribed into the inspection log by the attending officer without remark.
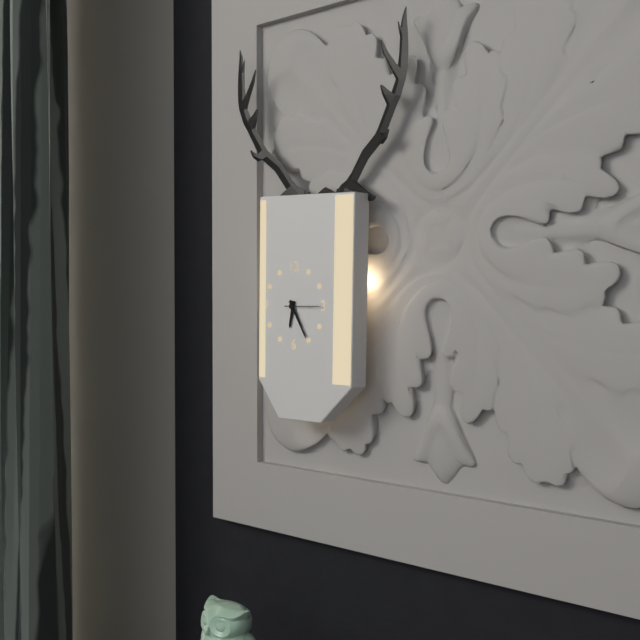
6:25
